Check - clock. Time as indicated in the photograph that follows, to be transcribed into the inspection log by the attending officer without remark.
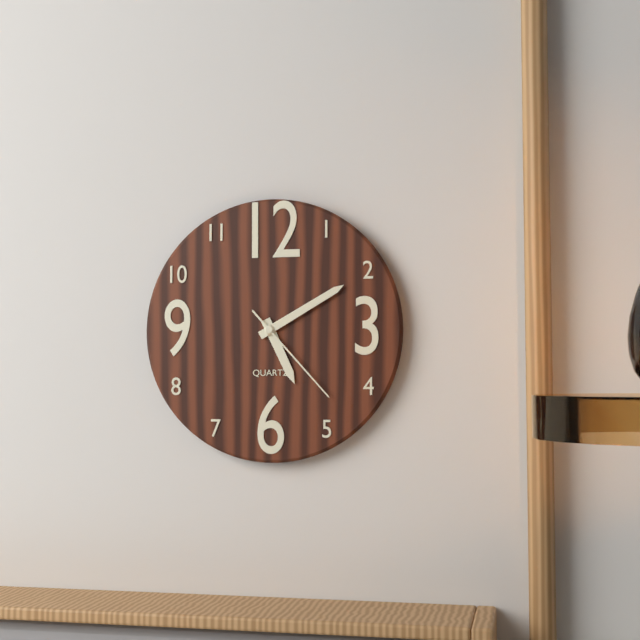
5:10:23
